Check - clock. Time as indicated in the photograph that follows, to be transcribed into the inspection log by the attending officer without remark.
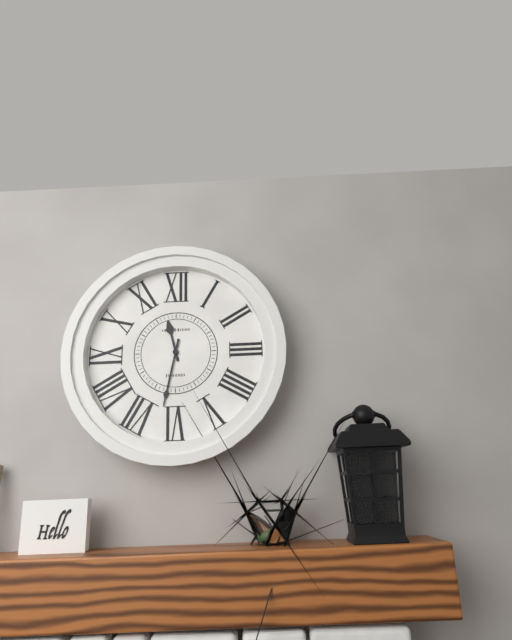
11:32
